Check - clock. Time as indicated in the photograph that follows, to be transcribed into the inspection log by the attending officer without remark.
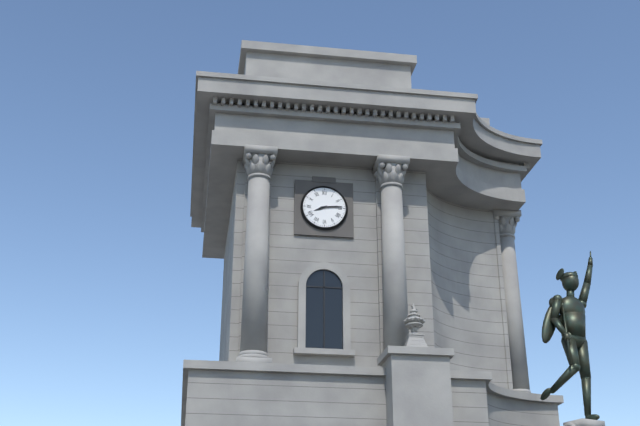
8:14
